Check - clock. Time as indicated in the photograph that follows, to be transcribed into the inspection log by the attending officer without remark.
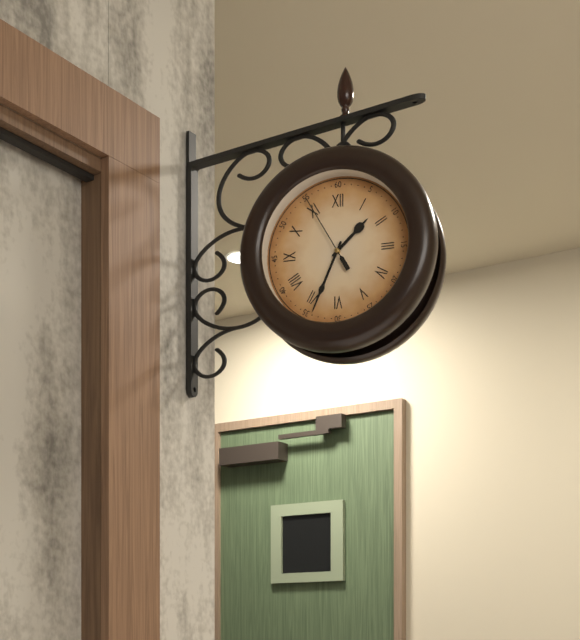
1:34:55
